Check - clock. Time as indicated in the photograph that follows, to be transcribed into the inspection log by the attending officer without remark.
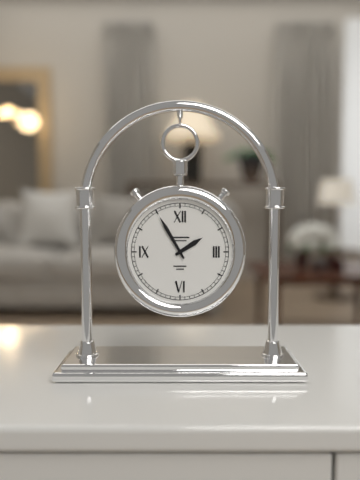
1:55
